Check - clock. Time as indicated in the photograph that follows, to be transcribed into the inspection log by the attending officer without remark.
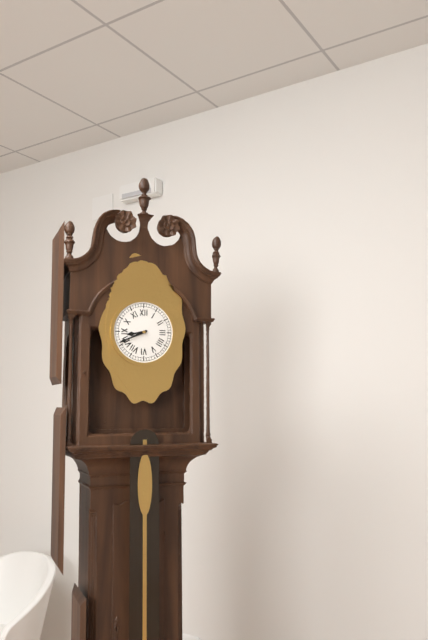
8:41
